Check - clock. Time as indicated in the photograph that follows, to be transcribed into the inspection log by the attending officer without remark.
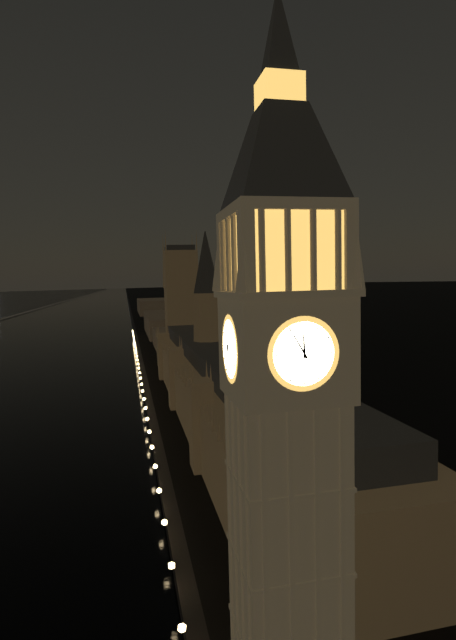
11:55
